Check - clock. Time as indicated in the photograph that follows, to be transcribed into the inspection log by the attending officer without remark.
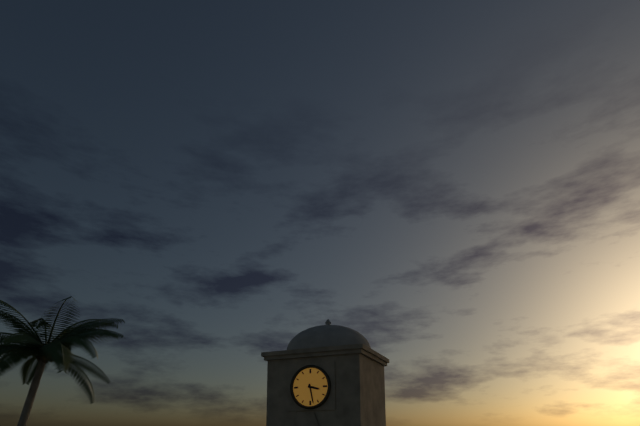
3:28
